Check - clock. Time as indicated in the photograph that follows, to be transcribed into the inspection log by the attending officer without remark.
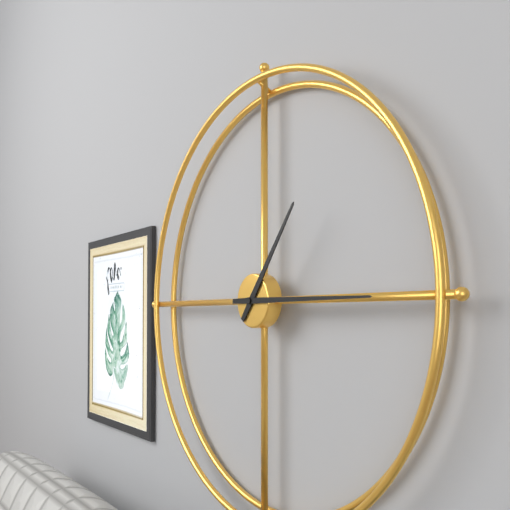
1:15
